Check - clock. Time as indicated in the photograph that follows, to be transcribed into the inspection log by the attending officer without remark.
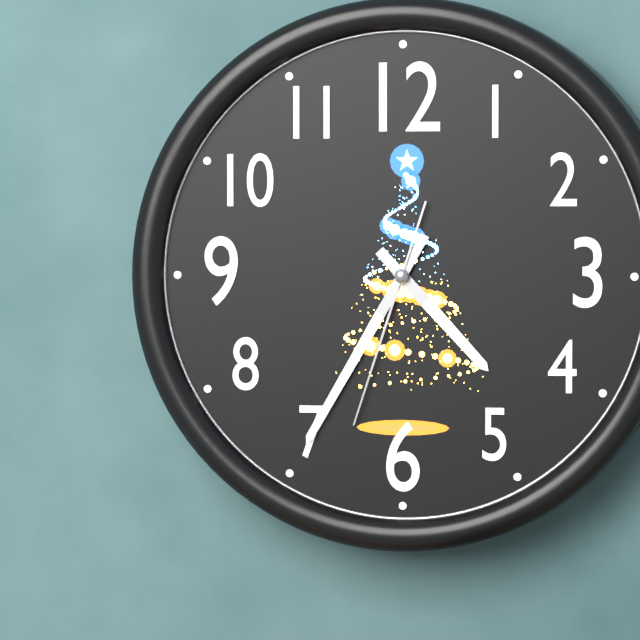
4:35:33
